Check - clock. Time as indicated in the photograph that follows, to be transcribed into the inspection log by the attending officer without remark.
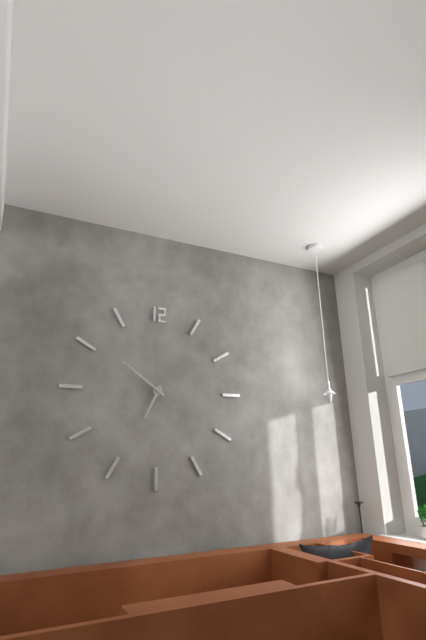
6:51
